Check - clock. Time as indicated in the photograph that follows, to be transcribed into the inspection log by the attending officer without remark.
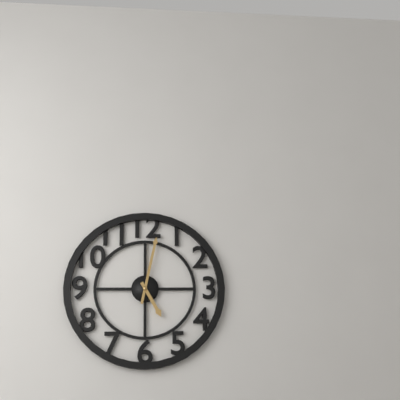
5:02
